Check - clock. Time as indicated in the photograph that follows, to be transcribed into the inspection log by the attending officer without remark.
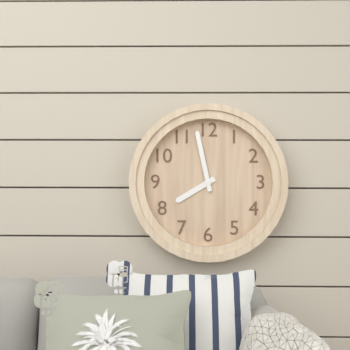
7:58
